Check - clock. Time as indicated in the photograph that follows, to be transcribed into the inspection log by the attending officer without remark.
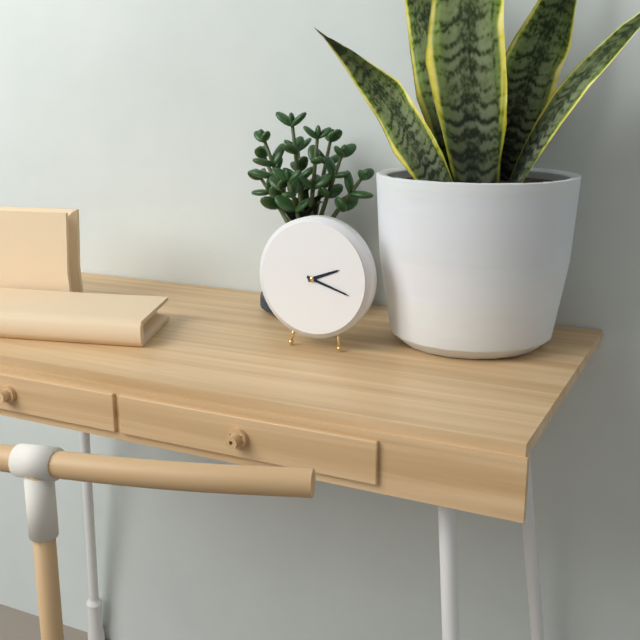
2:18
